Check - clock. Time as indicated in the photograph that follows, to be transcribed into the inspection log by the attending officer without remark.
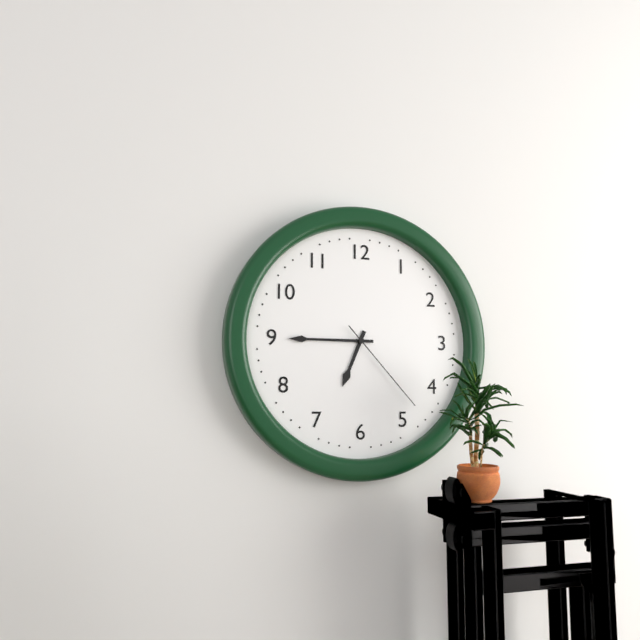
6:45:23
